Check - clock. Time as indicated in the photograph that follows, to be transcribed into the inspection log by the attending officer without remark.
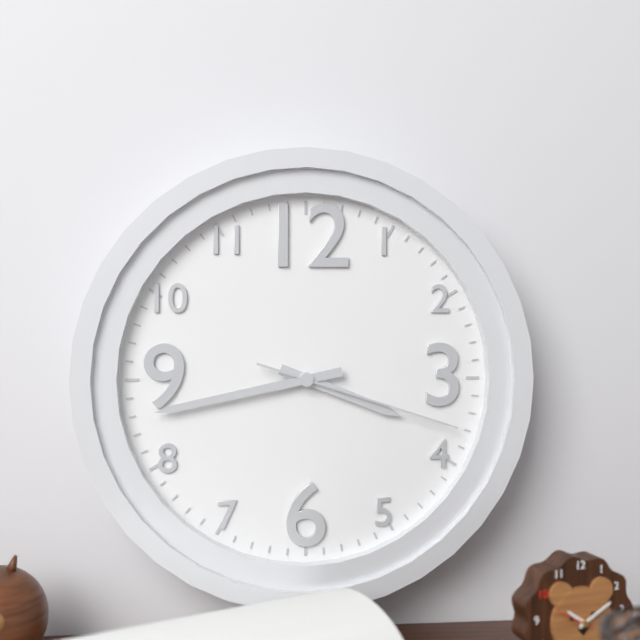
3:43:18
